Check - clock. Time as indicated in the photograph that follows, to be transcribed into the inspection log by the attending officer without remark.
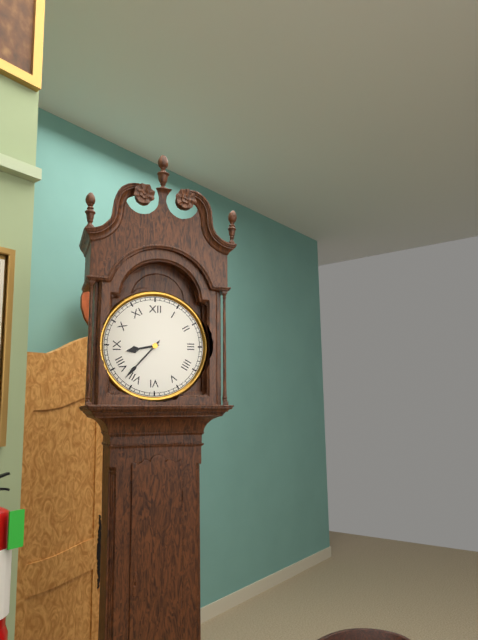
8:37
